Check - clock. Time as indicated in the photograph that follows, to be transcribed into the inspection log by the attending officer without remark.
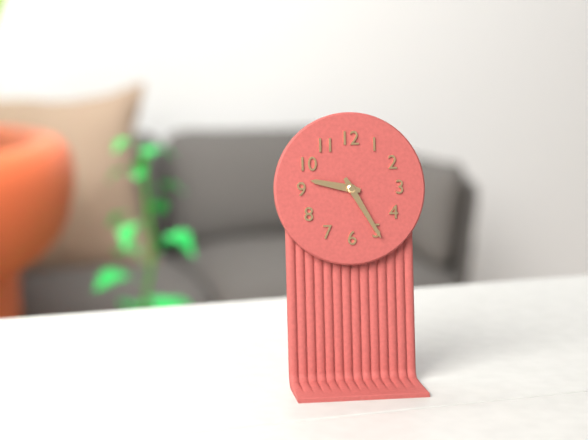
9:25
